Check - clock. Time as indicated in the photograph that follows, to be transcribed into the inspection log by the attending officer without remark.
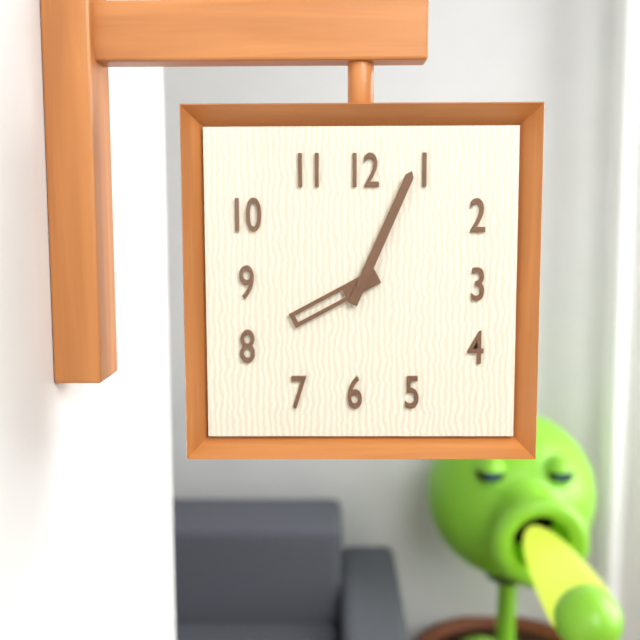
8:04
